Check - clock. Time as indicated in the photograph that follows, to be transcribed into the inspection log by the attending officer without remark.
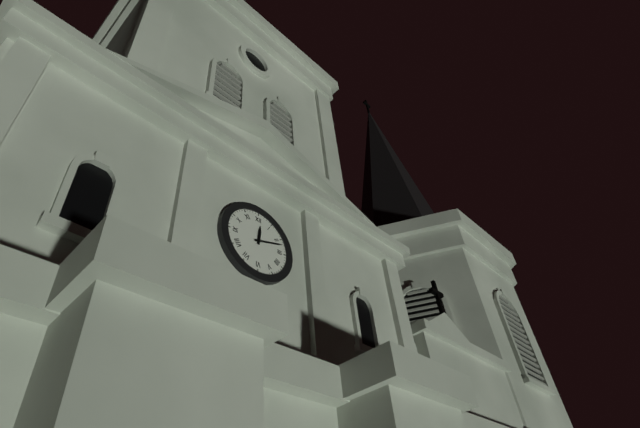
12:12
